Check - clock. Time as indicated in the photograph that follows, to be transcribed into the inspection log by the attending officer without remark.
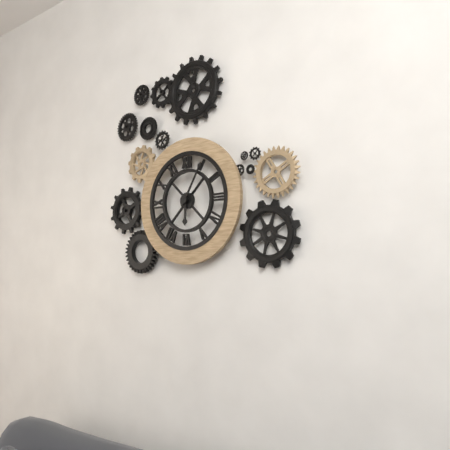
6:05
